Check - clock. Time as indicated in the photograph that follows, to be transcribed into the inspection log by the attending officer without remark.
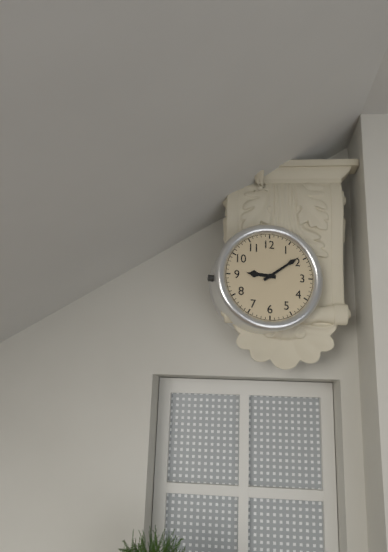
9:09
